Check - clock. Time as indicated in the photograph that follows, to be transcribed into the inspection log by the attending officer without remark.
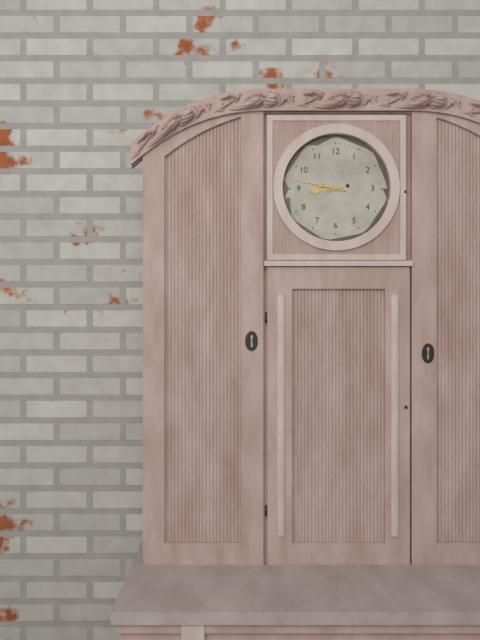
8:47
